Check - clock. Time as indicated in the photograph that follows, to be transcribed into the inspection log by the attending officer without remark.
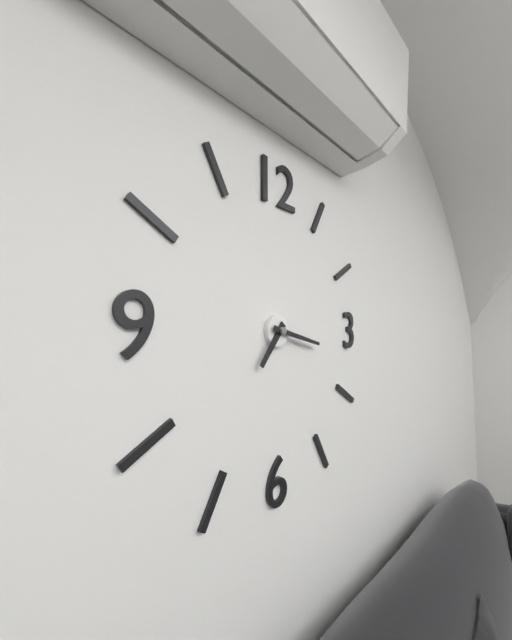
7:17
